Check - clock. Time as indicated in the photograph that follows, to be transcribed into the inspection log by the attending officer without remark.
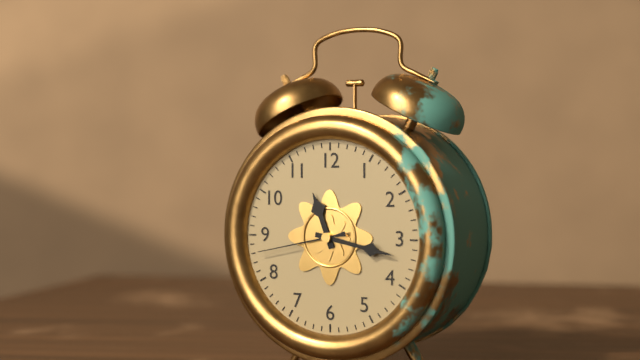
11:17:43
